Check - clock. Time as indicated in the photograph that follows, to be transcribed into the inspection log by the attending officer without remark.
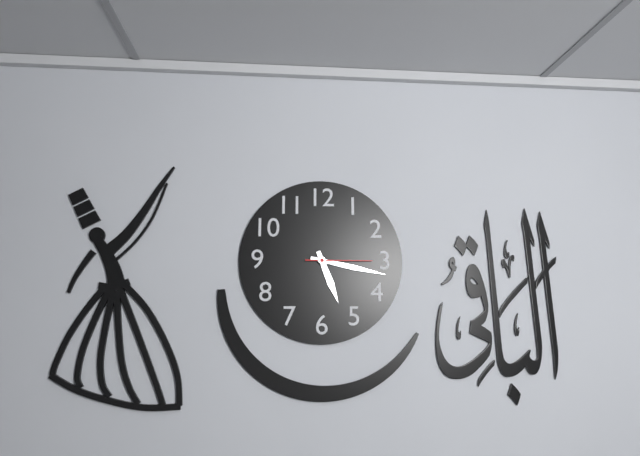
5:17:15
